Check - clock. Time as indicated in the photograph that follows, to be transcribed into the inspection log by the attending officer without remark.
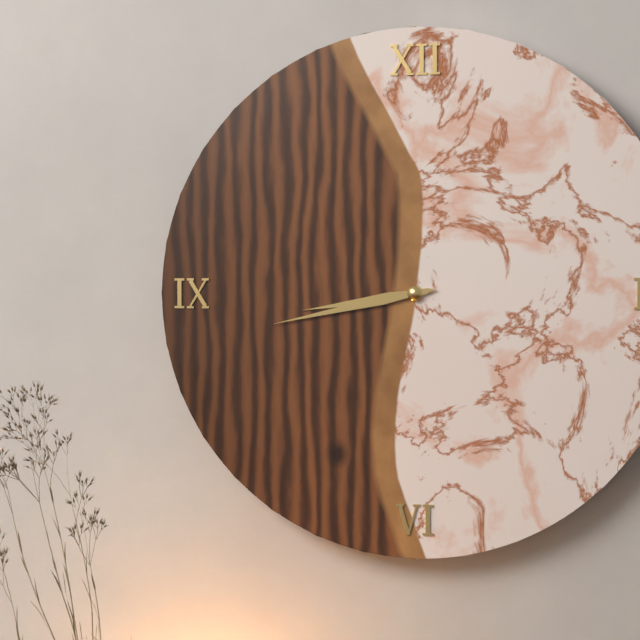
8:43
